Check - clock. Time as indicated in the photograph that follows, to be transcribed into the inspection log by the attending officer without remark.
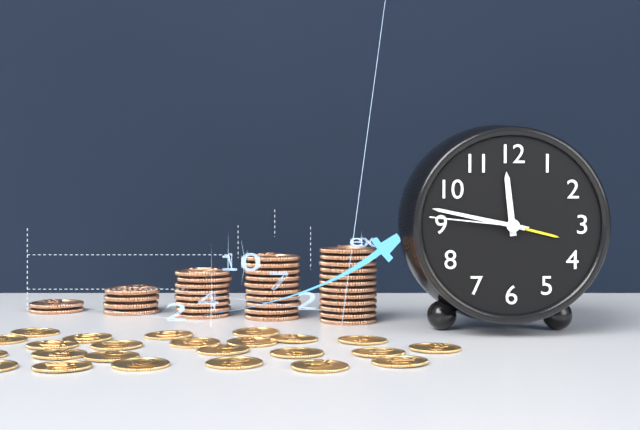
11:47:46
